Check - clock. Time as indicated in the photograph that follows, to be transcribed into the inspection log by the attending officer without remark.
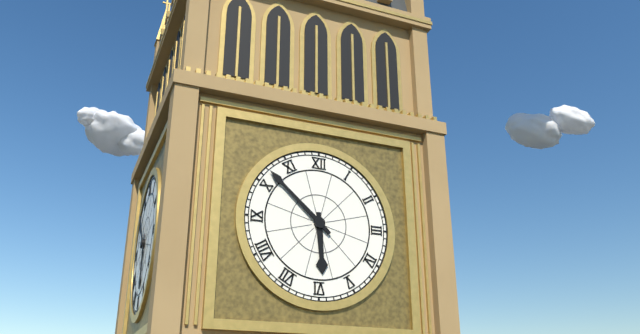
5:52
